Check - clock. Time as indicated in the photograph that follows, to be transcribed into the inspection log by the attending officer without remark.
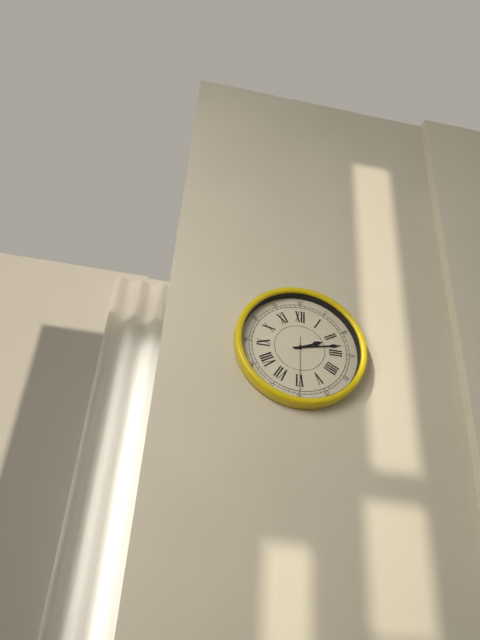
2:13:30
